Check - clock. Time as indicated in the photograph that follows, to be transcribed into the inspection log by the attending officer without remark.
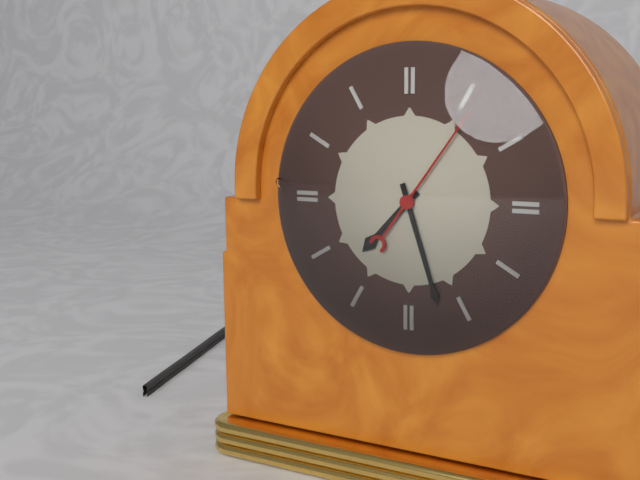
7:27:06
